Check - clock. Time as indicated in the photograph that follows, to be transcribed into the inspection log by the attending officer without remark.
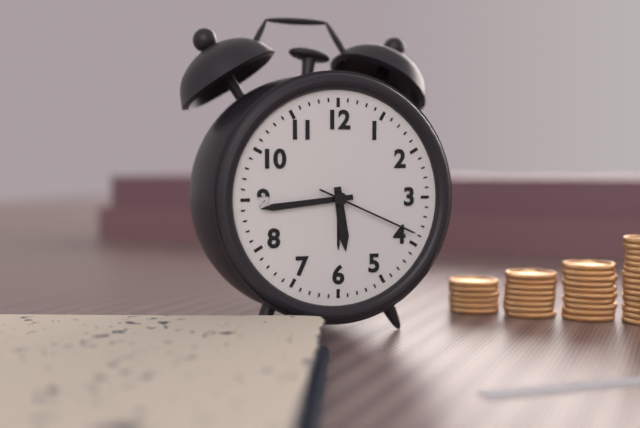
5:44:19
